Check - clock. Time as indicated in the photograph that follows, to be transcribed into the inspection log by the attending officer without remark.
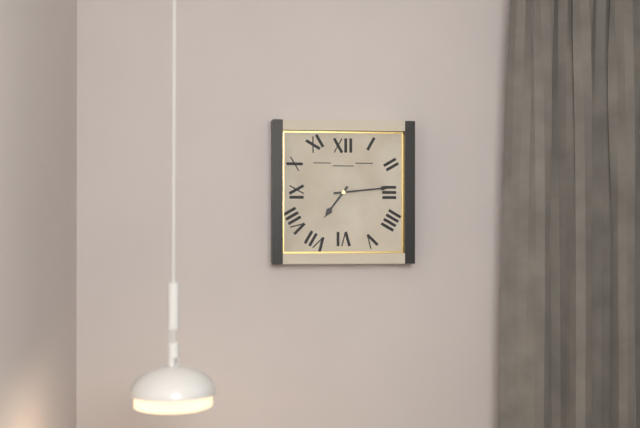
7:14
